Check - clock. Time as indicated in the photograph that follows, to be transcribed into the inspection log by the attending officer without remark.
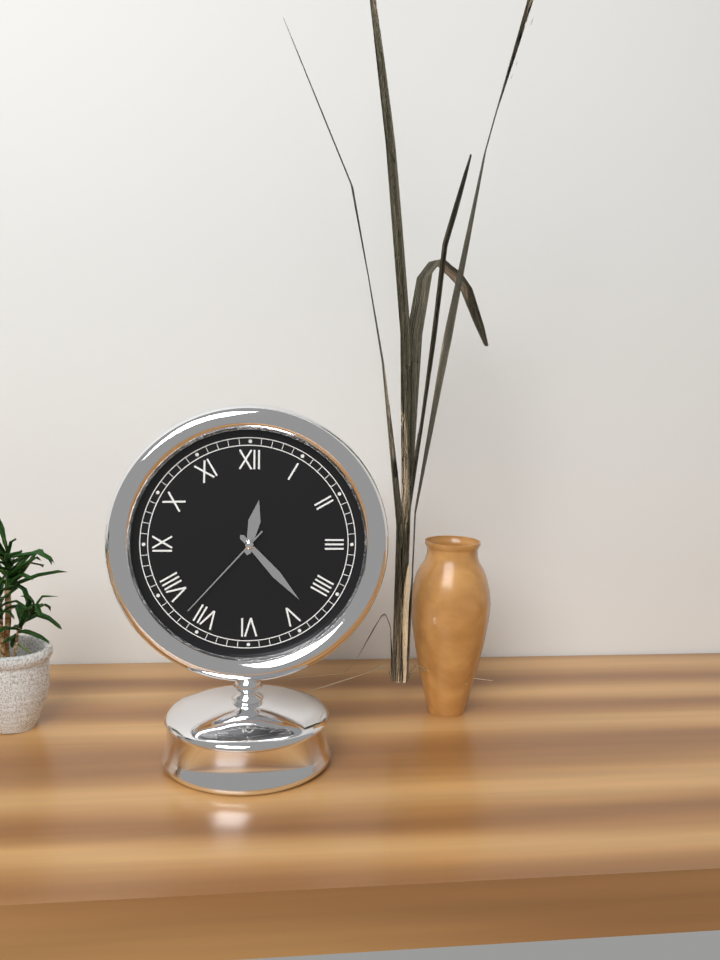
12:23:37
